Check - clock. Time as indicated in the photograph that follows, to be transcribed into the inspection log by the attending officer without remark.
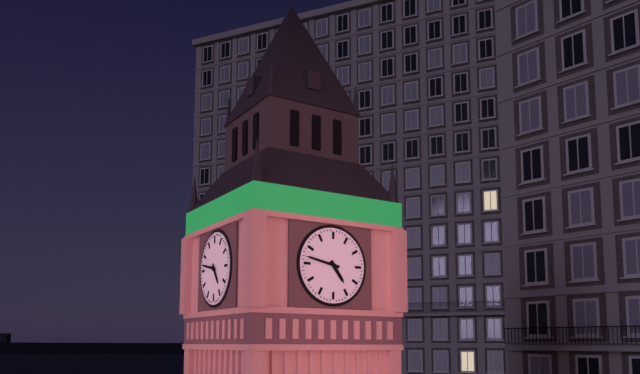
4:47
